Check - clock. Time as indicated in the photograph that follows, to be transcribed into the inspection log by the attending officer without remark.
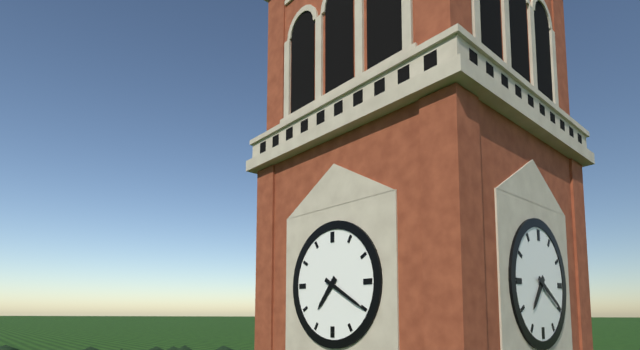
7:20
